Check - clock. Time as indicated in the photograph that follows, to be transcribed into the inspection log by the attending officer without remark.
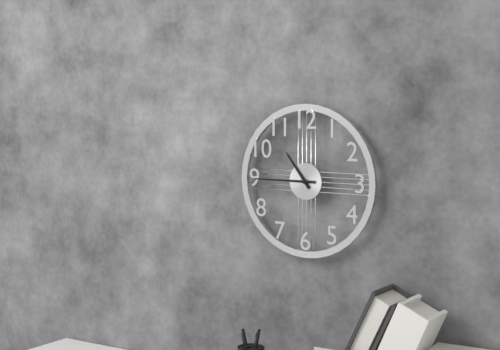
10:45
